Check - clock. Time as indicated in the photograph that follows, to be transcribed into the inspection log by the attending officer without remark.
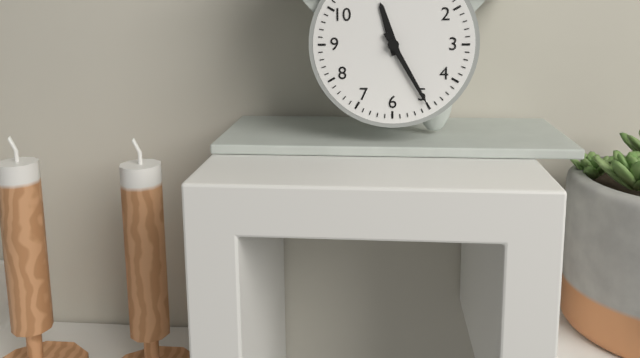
11:25
